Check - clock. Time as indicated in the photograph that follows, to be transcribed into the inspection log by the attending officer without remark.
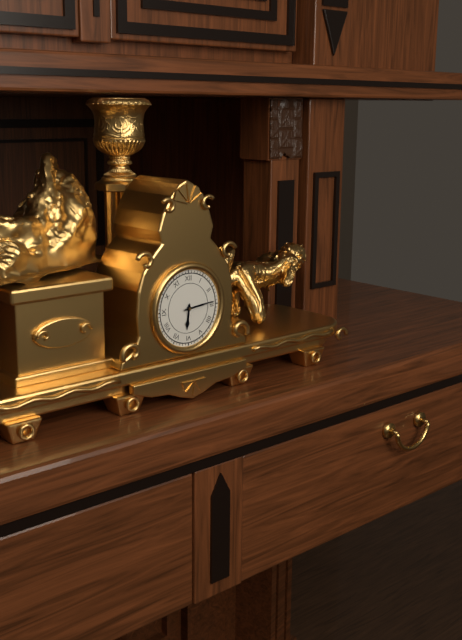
6:14
